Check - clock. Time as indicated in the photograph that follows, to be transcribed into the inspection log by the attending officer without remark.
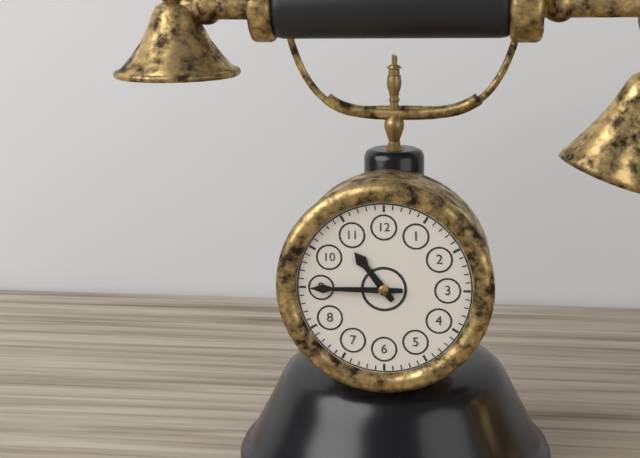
10:45
